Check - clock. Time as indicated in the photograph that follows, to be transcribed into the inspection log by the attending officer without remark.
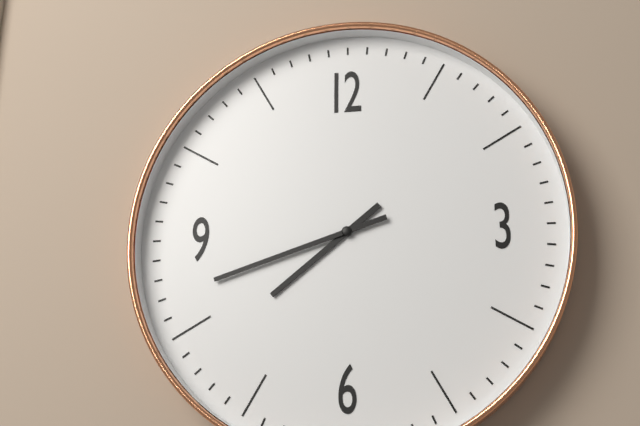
7:42
